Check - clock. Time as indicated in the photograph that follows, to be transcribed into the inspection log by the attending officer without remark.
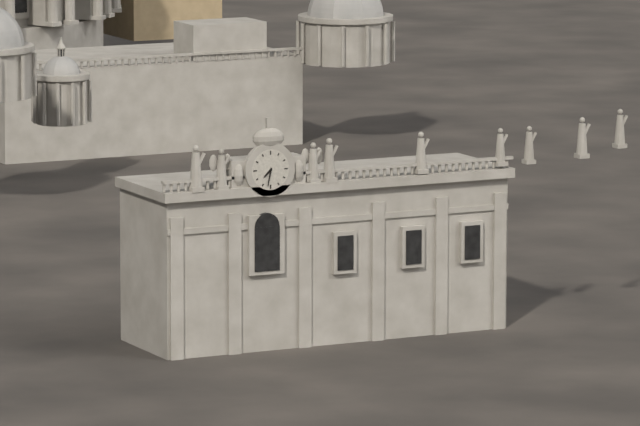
7:32
